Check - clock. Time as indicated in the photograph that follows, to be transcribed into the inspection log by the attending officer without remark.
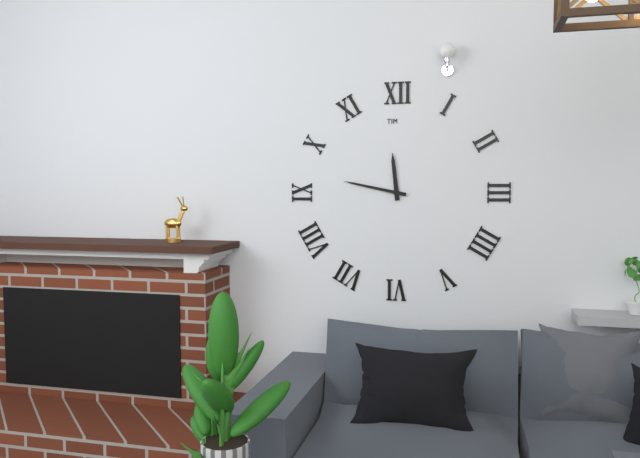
11:47
